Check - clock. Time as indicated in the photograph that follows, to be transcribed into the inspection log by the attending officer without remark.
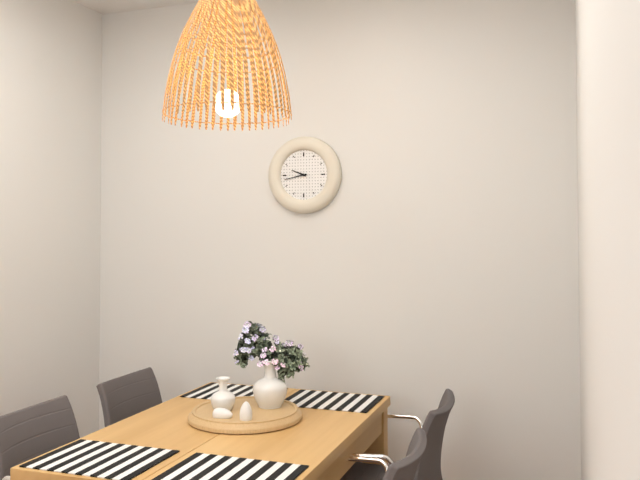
9:43
